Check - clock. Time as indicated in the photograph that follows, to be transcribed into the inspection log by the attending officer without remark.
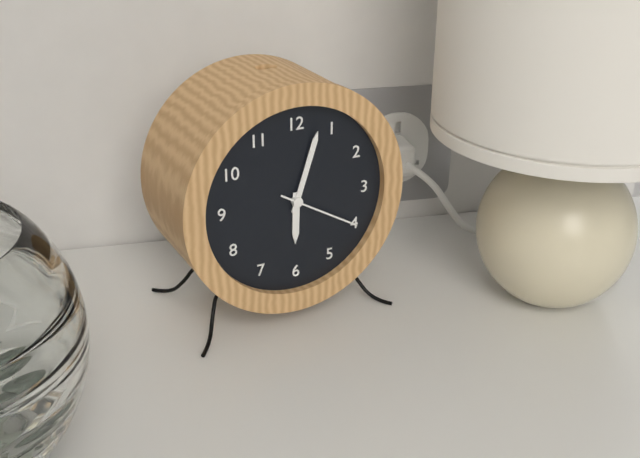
6:03:20
